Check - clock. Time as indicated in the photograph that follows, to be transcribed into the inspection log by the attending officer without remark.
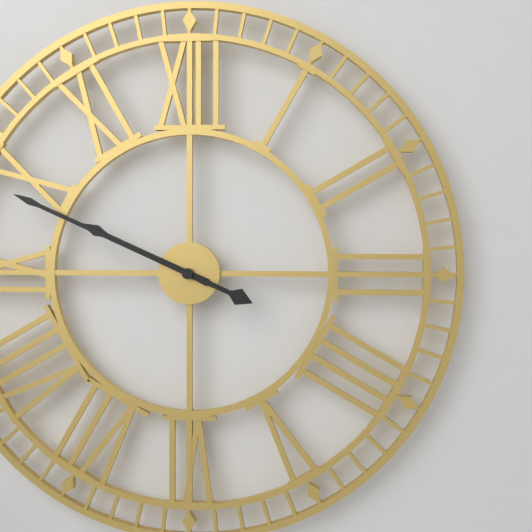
9:49
